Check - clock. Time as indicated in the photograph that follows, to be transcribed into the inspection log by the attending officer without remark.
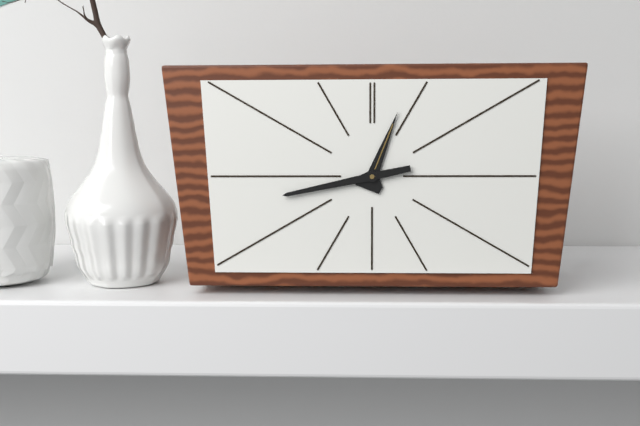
12:43
